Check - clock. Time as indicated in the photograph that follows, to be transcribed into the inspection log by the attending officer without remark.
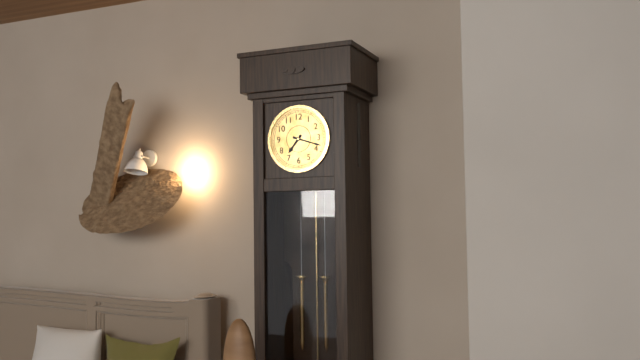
7:18
